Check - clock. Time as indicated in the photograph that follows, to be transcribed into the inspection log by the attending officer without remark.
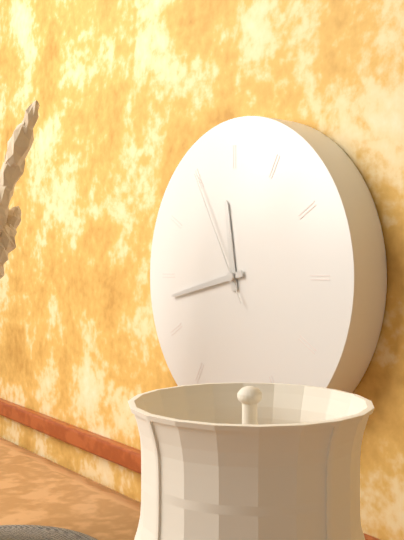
11:43:55
